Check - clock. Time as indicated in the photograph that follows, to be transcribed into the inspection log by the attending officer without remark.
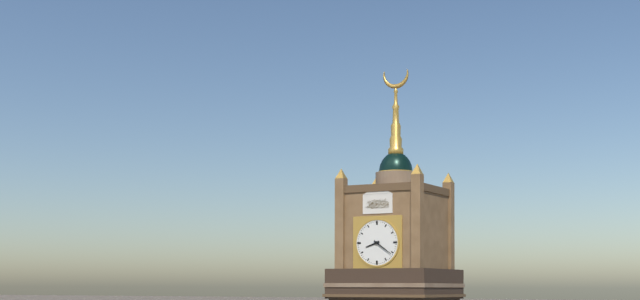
8:21
